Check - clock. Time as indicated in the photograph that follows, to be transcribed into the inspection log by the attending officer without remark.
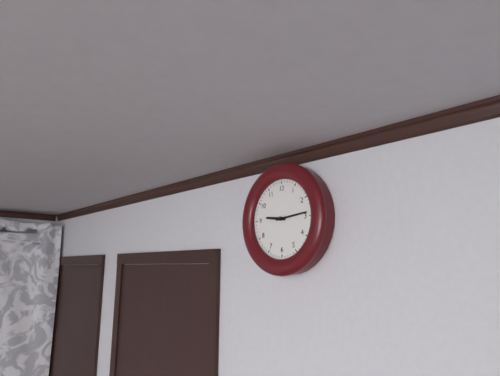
9:14
